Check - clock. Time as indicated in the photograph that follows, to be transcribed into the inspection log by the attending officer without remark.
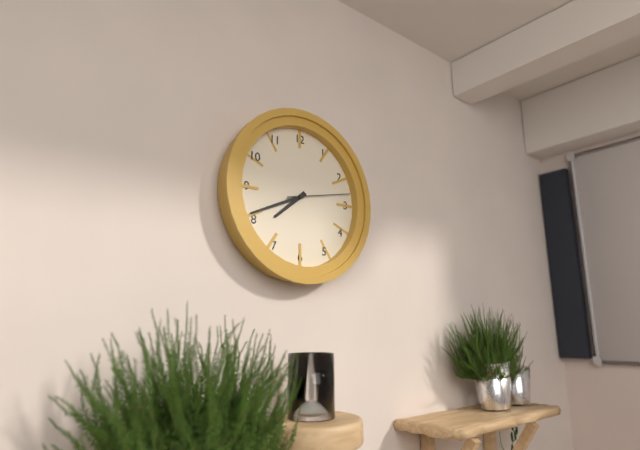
7:41:13
